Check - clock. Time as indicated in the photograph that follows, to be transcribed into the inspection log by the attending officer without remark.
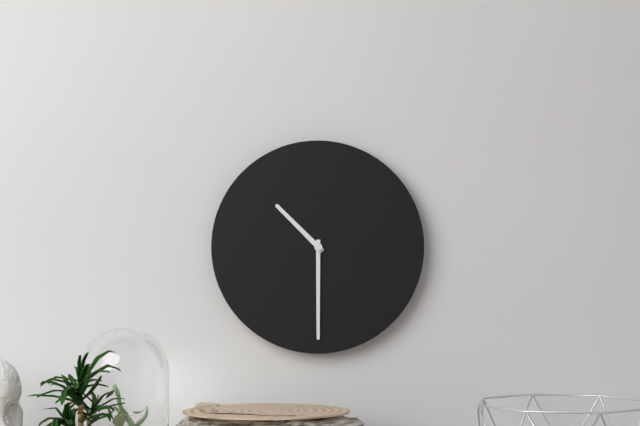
10:30
